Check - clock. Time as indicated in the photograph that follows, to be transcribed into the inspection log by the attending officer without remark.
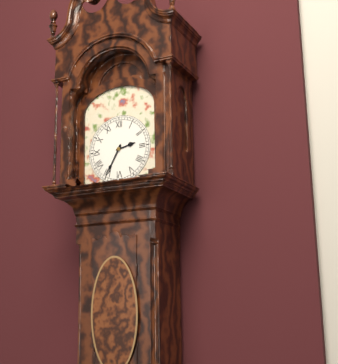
2:35
